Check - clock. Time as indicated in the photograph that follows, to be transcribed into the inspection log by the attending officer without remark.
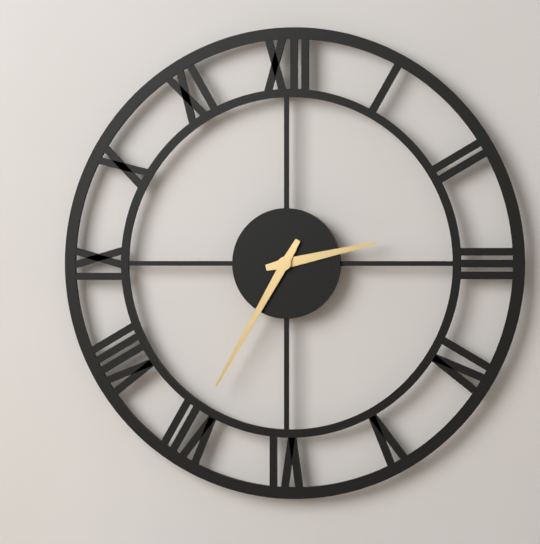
2:35
